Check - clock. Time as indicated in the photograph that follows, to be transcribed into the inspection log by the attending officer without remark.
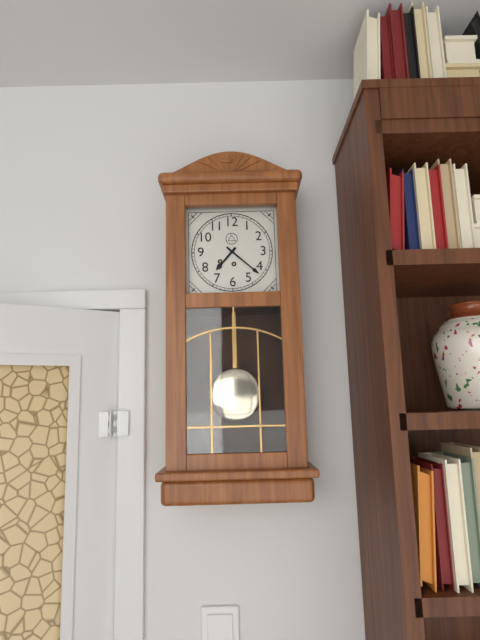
7:22
